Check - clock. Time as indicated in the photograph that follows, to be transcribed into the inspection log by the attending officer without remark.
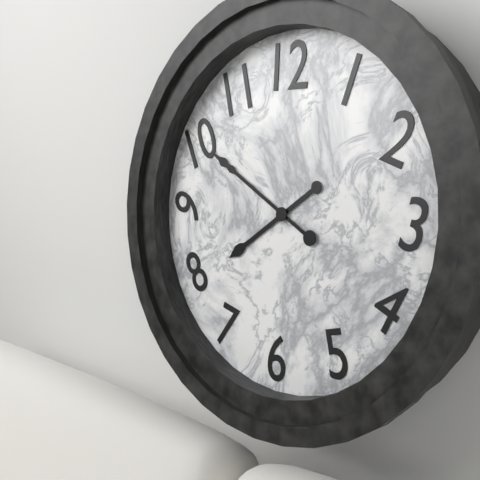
7:50
